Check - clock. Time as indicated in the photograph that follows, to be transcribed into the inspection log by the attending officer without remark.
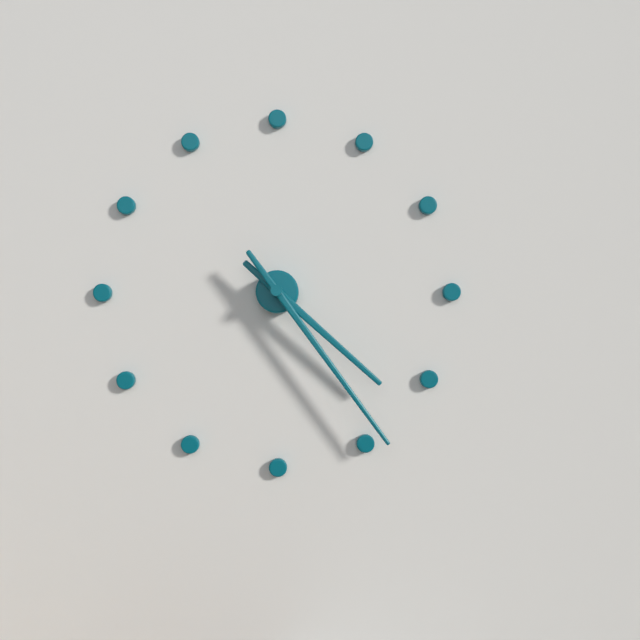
4:24
